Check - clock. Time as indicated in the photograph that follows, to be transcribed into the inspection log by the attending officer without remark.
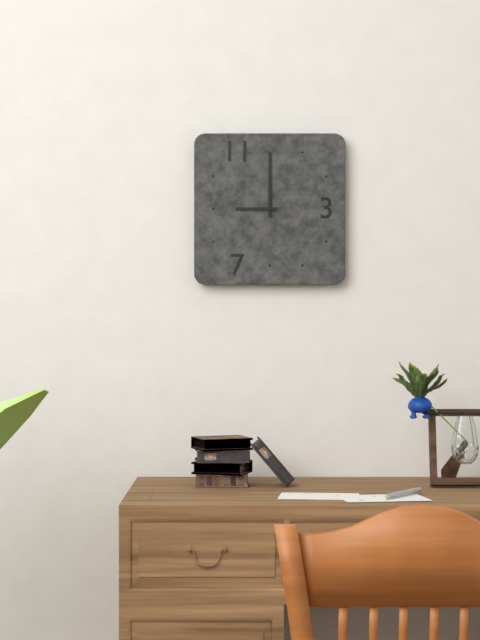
9:00
